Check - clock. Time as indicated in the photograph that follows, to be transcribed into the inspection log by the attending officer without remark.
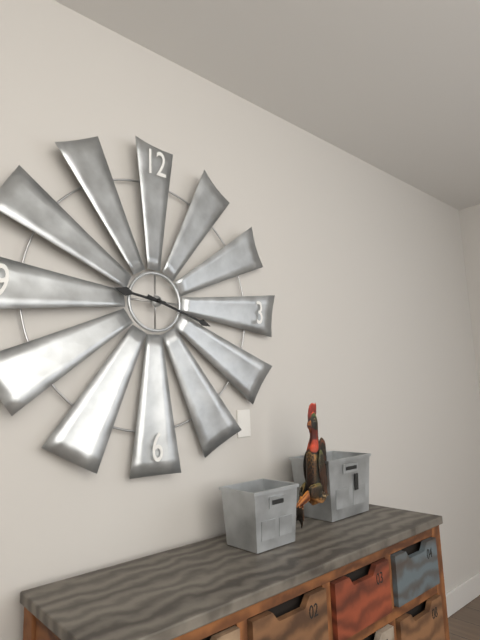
9:18
